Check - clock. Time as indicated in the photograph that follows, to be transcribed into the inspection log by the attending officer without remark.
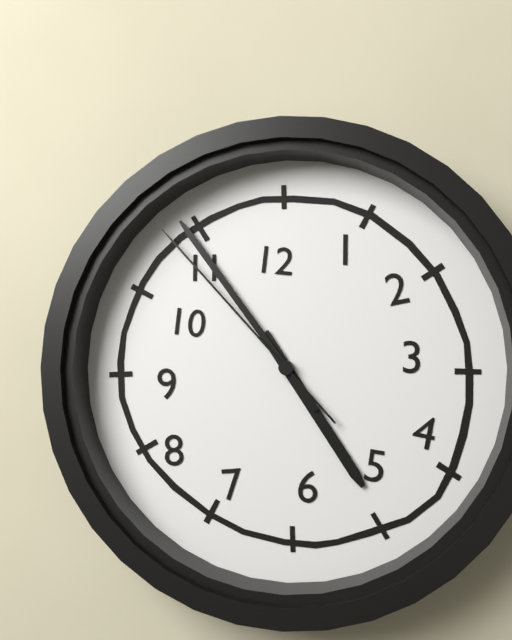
4:54:53
